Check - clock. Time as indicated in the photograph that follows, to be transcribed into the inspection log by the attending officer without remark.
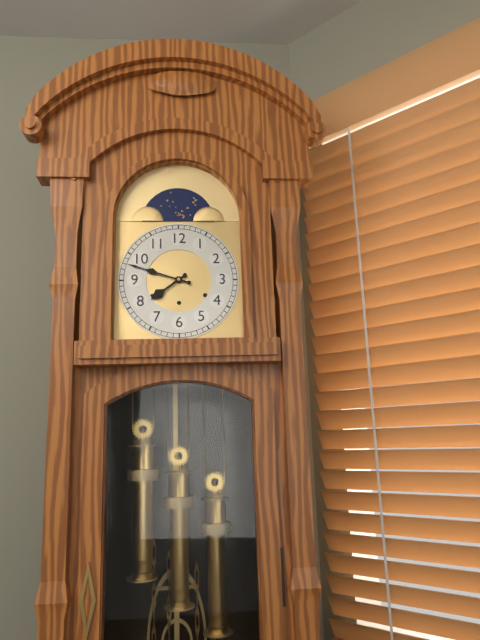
7:48
